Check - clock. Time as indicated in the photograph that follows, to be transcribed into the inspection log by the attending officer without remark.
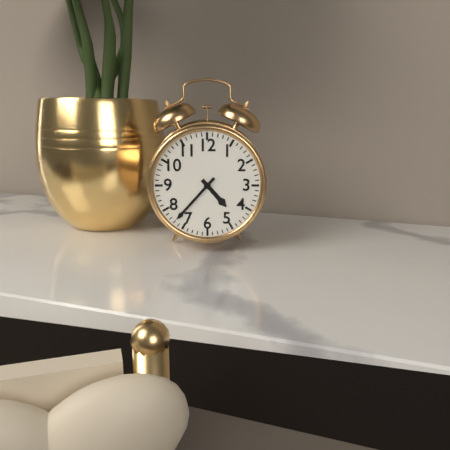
4:37
